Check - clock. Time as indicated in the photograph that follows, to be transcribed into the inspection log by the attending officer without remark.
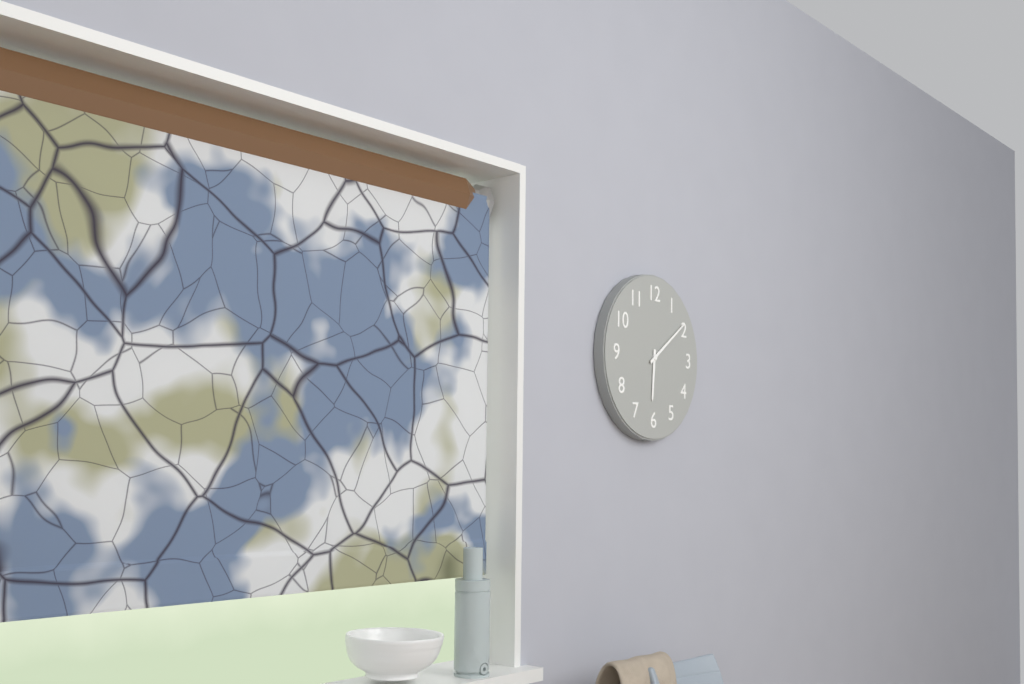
6:09
